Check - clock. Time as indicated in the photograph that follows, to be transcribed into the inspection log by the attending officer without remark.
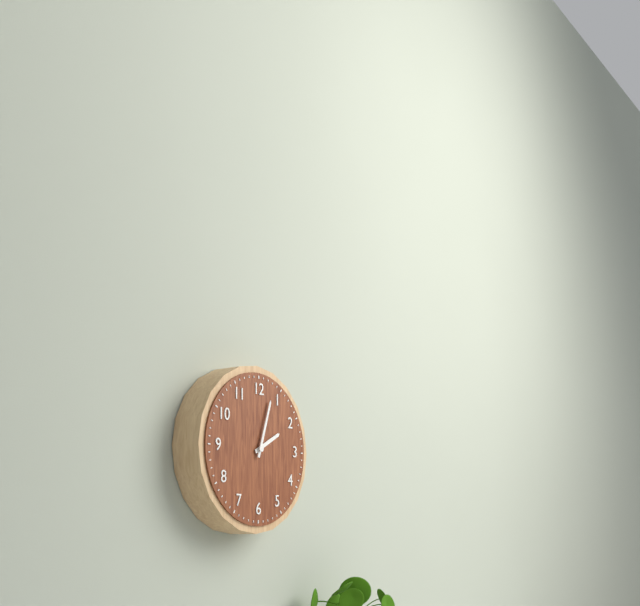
2:03
